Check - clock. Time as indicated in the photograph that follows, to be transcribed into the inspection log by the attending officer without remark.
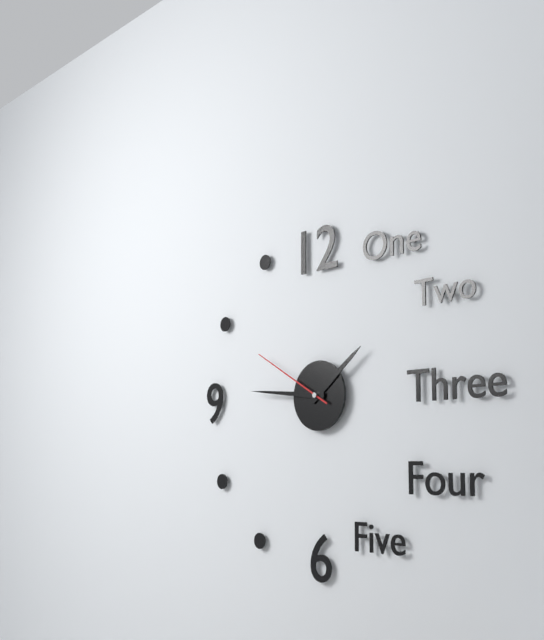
1:46:50
